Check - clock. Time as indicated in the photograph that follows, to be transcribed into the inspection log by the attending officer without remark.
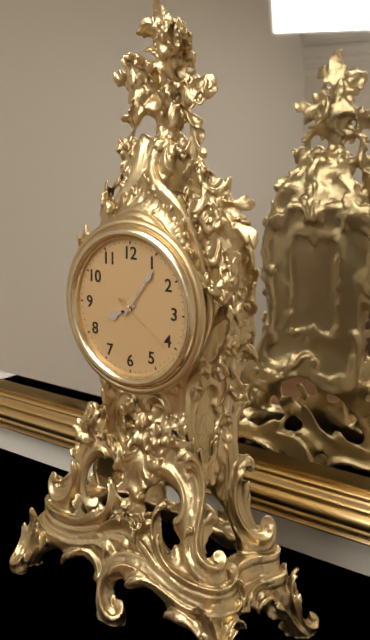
8:06:21
